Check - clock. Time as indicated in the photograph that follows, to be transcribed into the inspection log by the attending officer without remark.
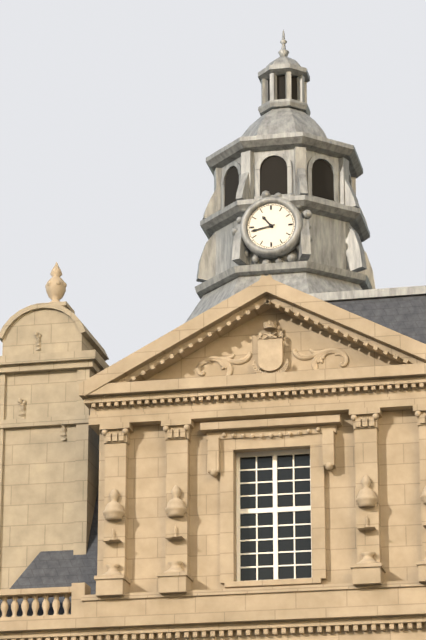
10:43
